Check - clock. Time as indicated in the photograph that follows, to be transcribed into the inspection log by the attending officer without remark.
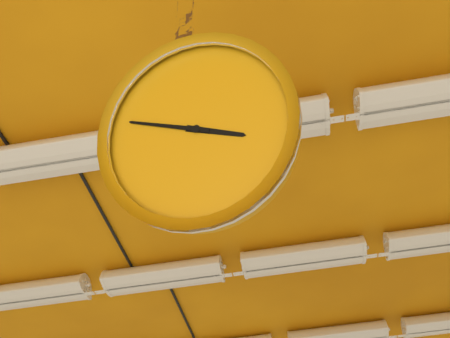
3:49
